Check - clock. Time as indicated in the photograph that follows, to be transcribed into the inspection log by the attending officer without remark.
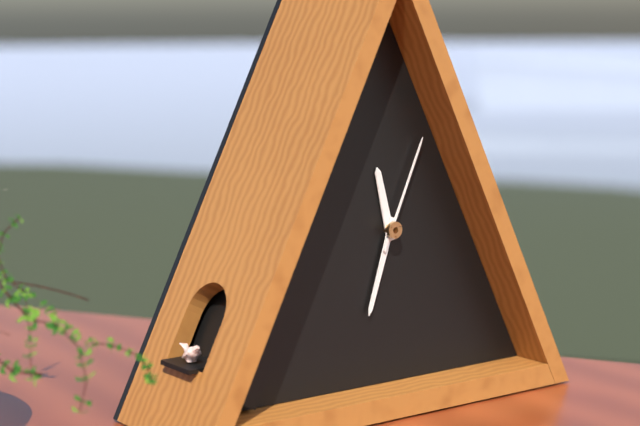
11:33:04
